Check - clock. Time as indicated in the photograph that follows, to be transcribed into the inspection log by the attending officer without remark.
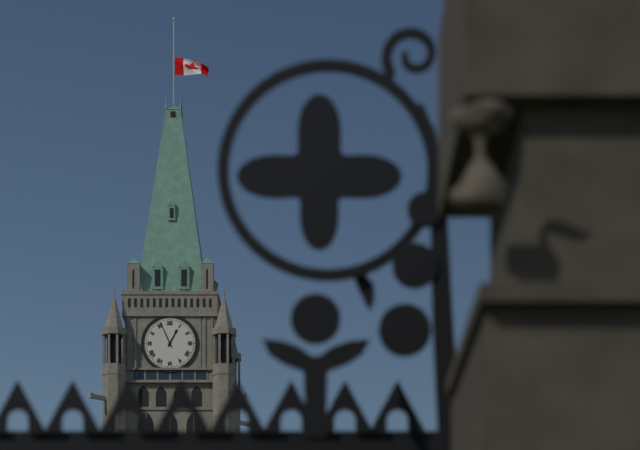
12:56
